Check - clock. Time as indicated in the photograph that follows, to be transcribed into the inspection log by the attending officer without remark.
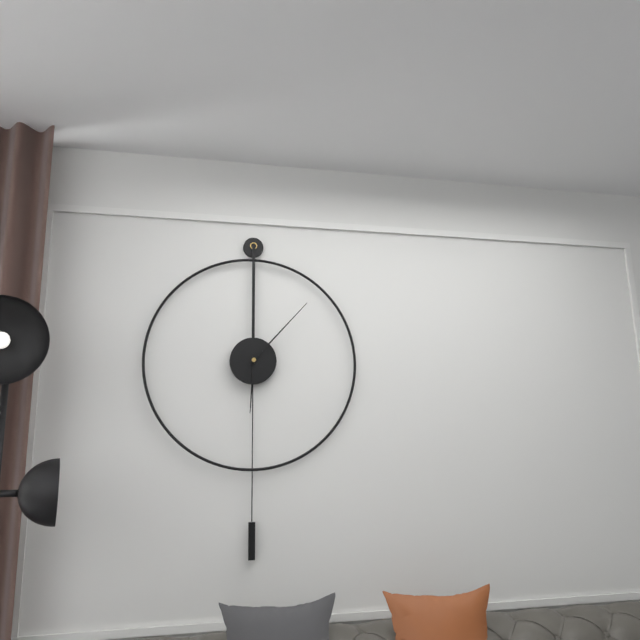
6:07
